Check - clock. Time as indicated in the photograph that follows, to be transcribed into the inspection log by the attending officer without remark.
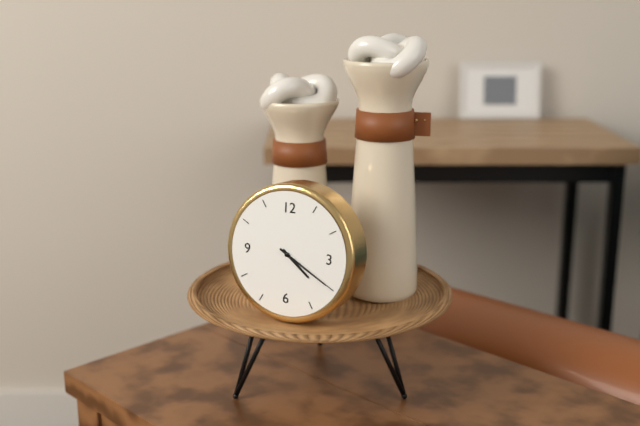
4:20
